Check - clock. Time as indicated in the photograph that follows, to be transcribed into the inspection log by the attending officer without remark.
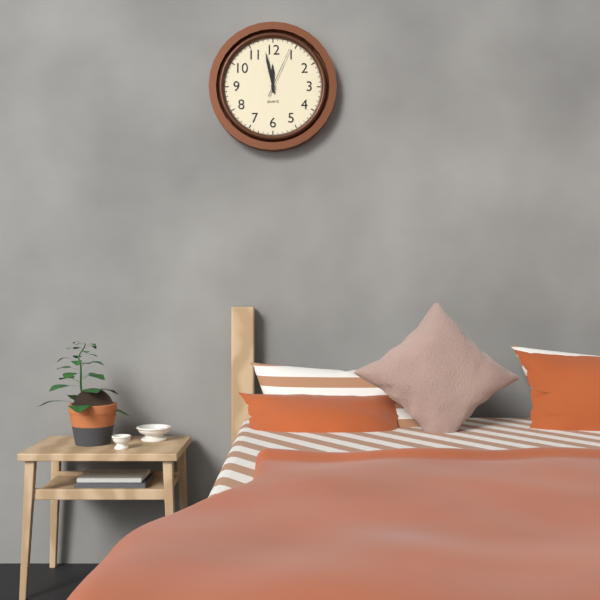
11:58:04
